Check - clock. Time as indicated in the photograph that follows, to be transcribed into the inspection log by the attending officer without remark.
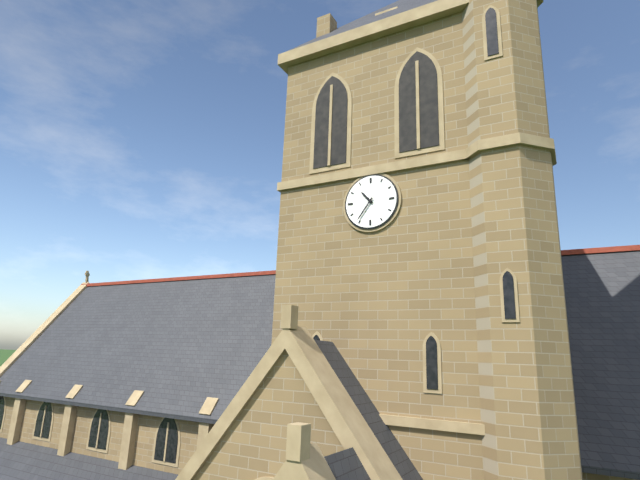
10:36
